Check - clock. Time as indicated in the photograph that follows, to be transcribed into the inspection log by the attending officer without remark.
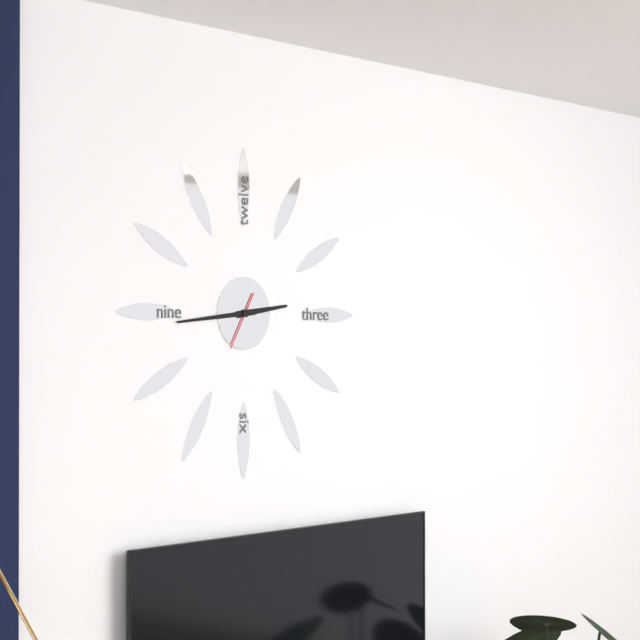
2:44
